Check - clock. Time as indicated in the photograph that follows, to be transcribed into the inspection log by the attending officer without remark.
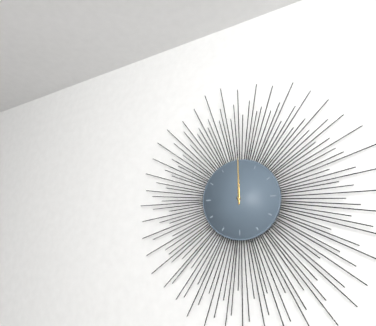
12:00
